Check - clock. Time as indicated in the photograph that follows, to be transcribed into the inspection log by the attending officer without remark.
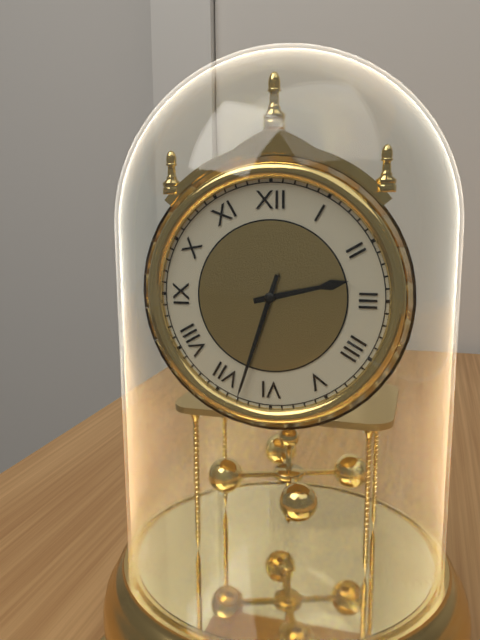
2:33
